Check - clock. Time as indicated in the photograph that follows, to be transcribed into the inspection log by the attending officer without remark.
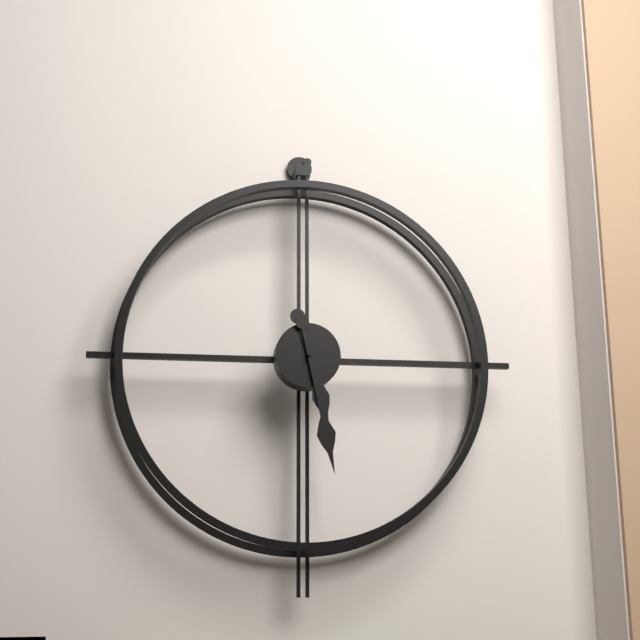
5:28
